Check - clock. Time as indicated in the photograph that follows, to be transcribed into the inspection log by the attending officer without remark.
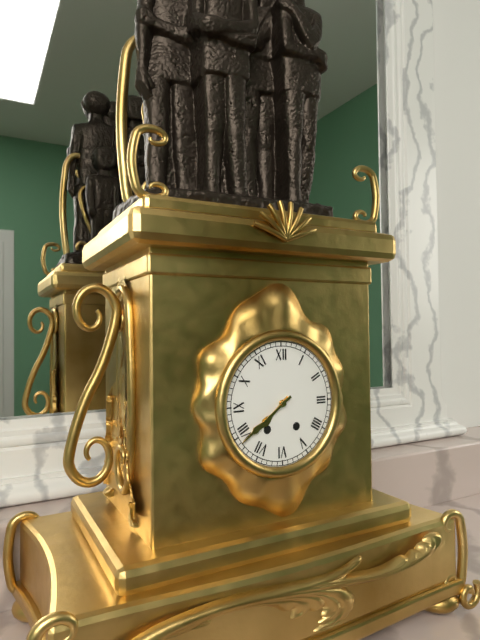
7:39
